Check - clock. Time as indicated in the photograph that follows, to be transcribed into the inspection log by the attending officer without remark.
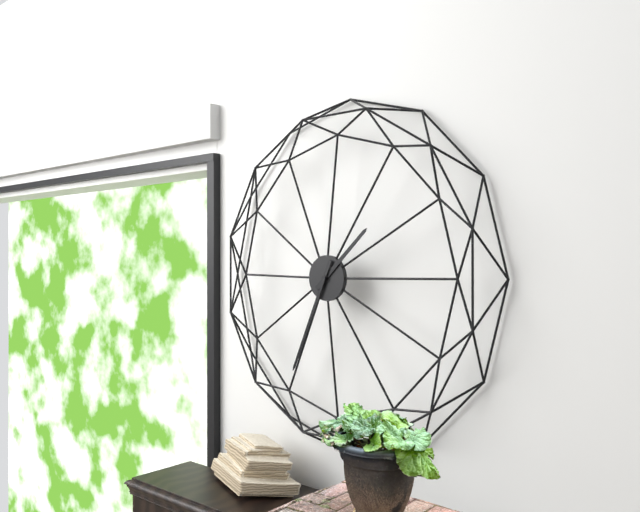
1:34
